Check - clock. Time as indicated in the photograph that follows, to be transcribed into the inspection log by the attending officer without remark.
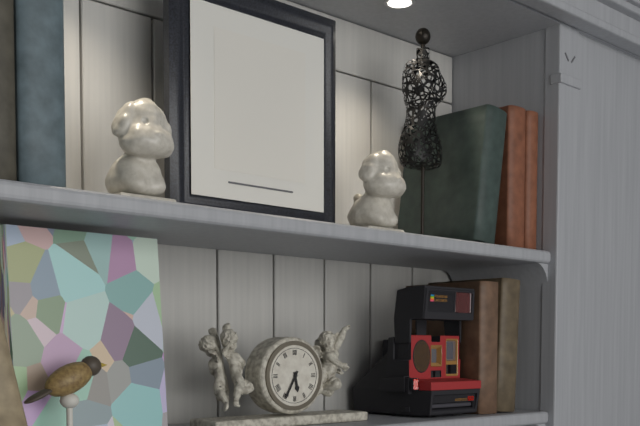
5:35
